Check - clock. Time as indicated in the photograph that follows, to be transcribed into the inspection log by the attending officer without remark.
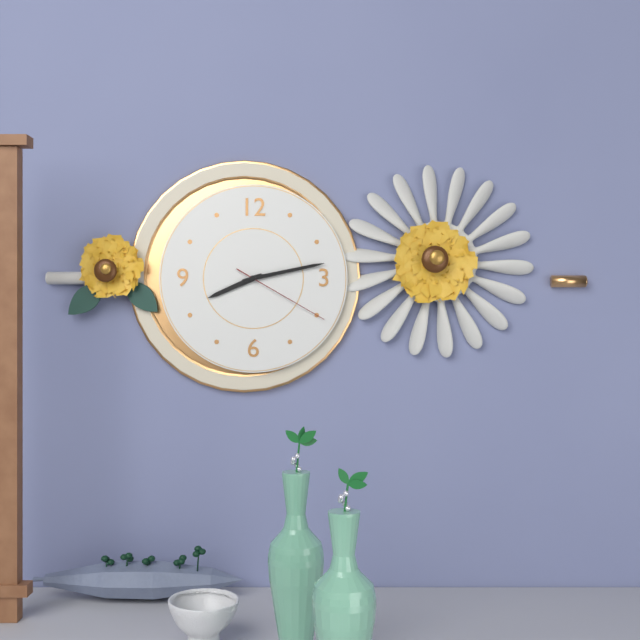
8:13:20
